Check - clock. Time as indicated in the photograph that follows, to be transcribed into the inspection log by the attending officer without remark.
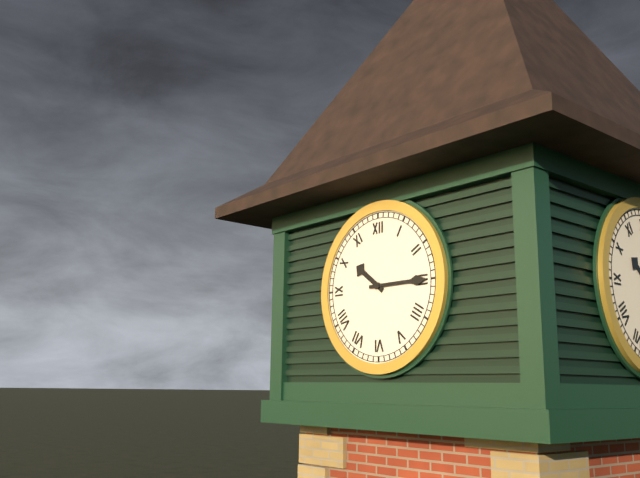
10:15
